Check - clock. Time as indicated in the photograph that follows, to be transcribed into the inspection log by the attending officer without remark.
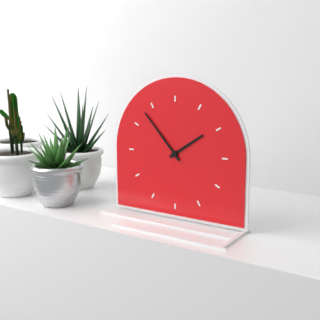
1:53
